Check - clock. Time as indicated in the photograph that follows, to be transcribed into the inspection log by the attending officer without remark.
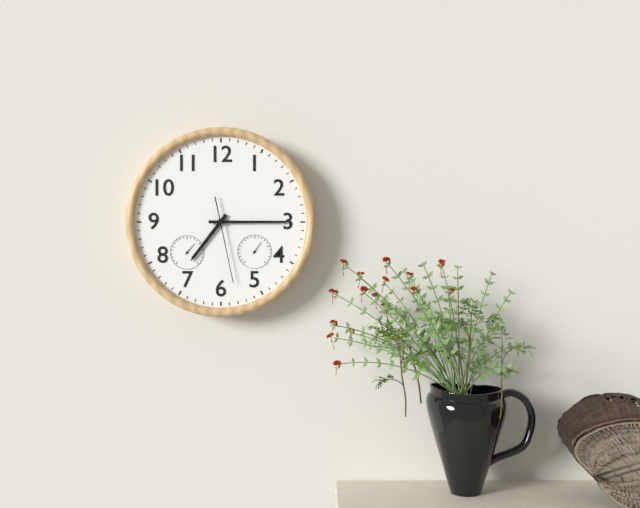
7:15:28
